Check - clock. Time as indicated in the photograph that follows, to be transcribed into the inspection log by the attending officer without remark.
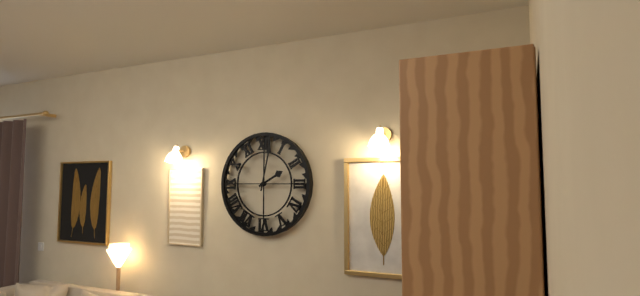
2:02
